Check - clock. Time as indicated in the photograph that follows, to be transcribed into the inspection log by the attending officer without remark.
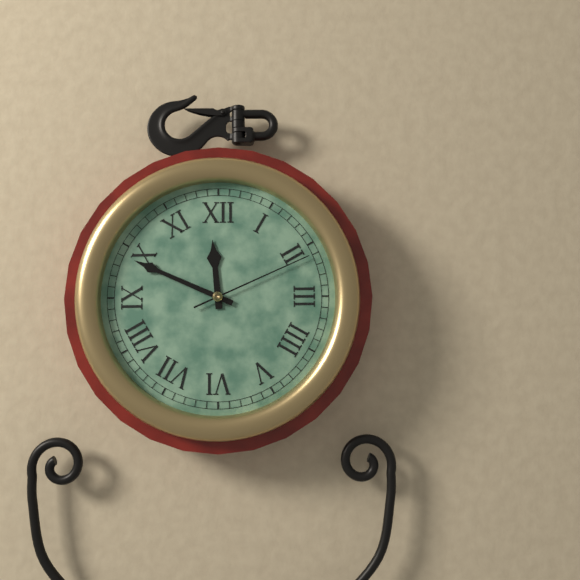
11:49:11
